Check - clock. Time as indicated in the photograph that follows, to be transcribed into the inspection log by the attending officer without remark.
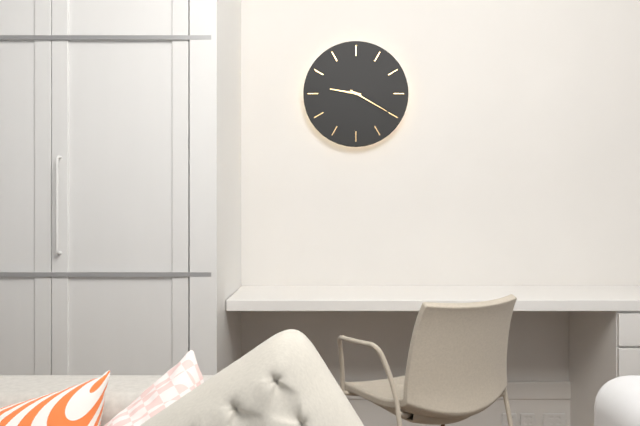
9:20
